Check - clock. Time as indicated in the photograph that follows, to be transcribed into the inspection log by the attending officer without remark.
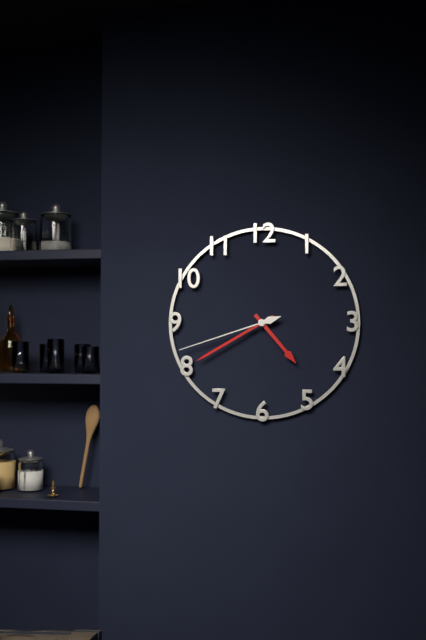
4:40:42
